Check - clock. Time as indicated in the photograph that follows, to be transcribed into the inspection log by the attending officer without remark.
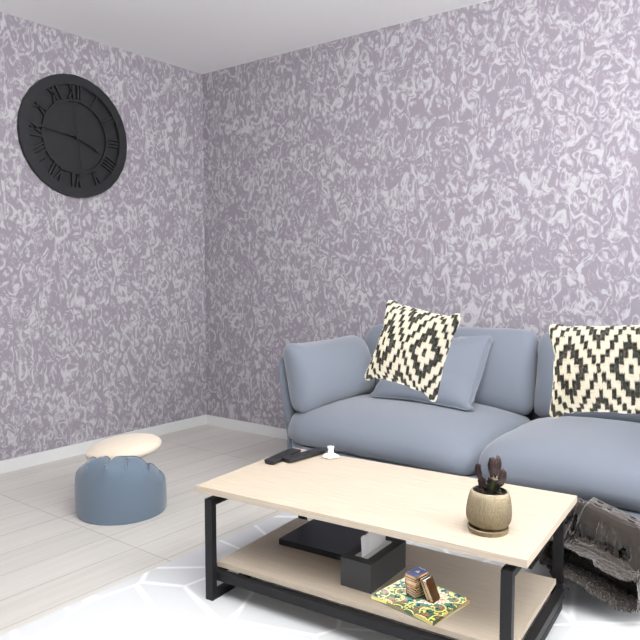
3:46:59
